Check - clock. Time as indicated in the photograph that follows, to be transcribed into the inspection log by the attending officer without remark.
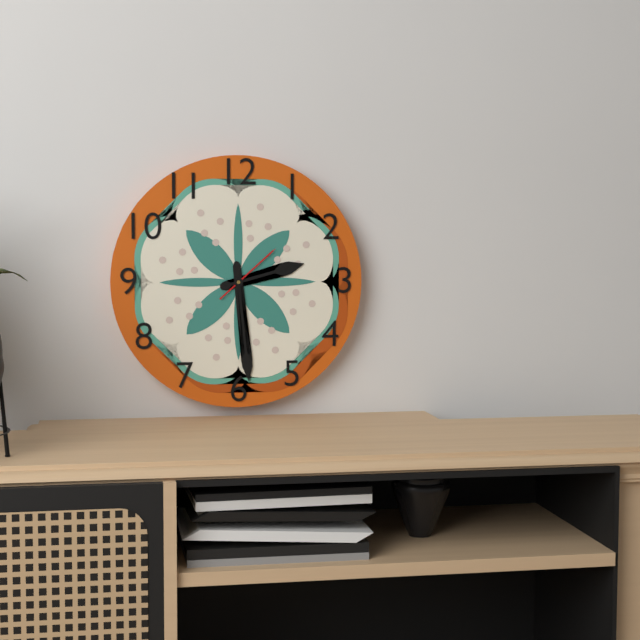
2:29:08
